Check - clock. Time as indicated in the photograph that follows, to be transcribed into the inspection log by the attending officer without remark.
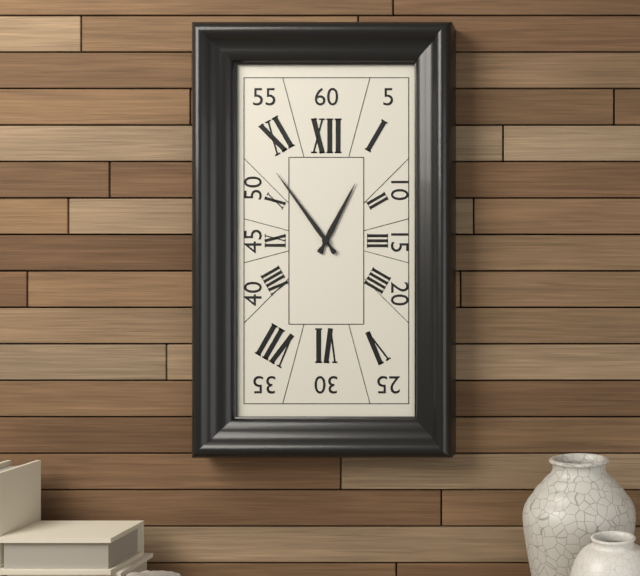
12:54
